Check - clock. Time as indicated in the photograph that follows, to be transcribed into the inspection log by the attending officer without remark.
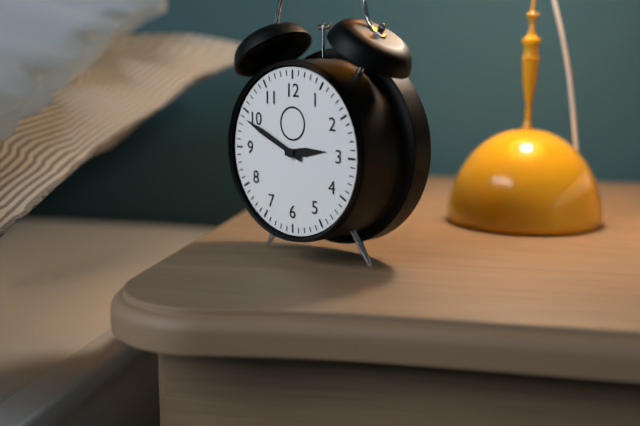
2:49
